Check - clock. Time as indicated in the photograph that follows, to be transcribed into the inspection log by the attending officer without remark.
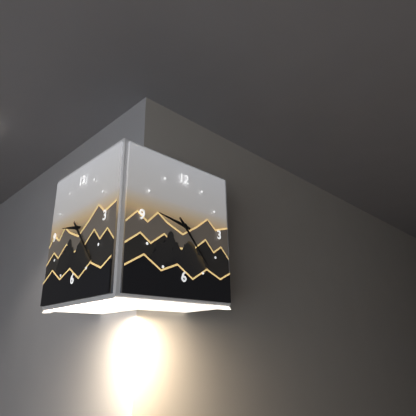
9:23
